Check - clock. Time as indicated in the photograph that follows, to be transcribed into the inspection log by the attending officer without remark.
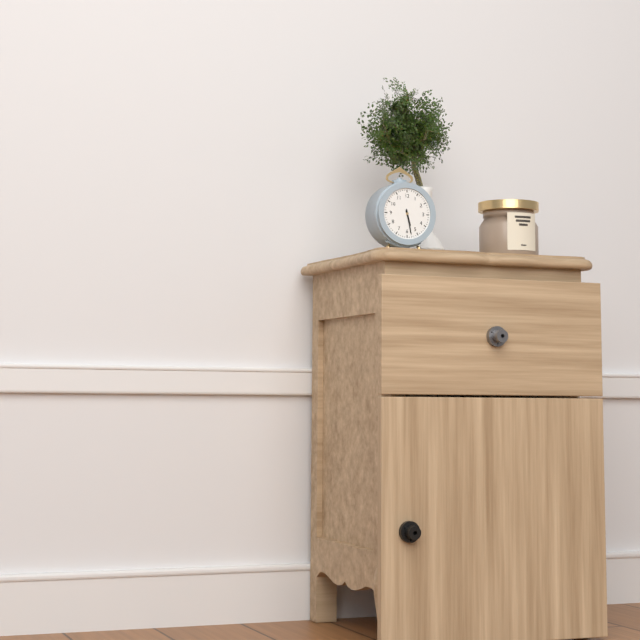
5:28
